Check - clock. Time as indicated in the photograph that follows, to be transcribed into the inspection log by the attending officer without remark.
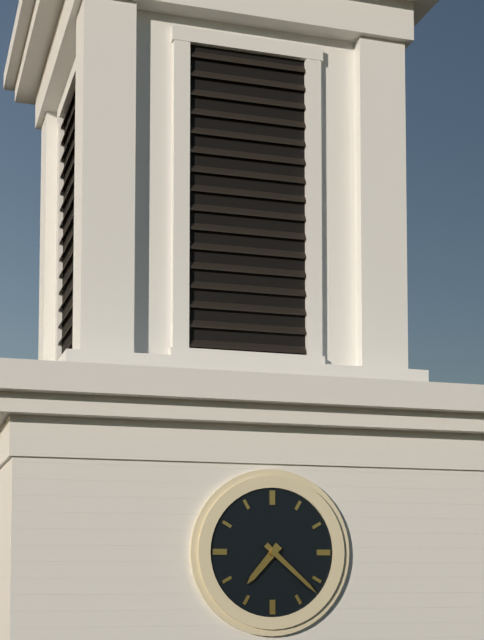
7:22
